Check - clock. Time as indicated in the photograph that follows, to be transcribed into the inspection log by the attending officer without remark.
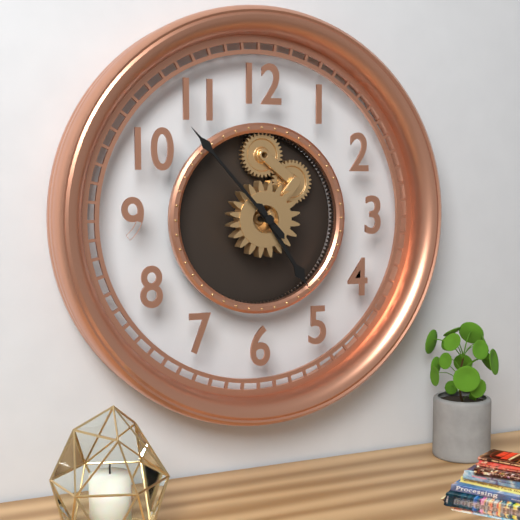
4:53
